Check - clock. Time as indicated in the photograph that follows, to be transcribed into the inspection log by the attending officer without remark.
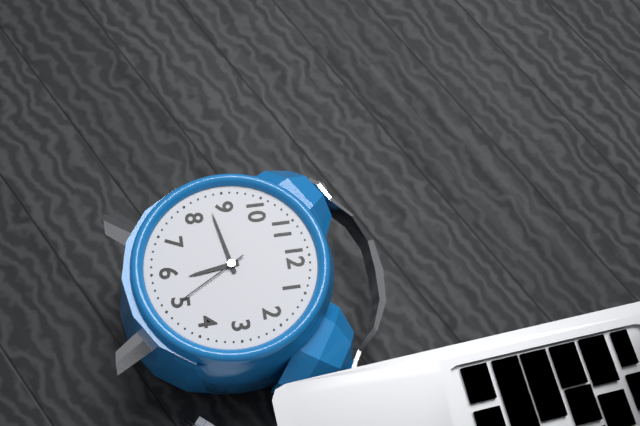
5:43:25
